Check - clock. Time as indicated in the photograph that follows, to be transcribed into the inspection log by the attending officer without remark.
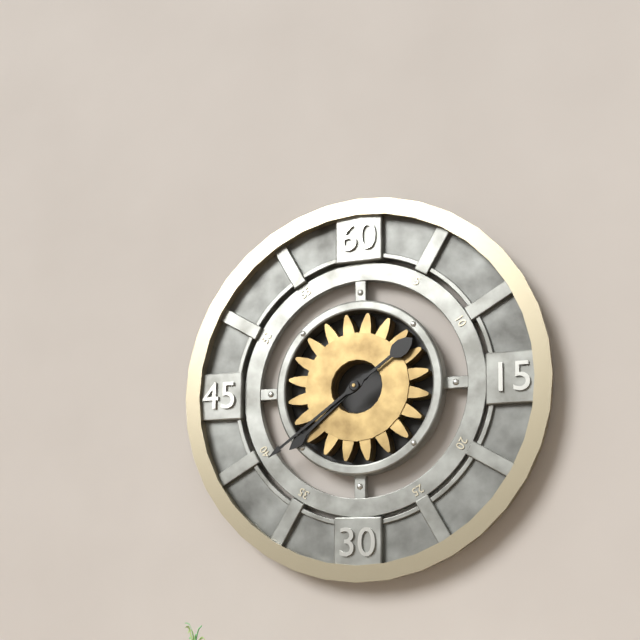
7:39
